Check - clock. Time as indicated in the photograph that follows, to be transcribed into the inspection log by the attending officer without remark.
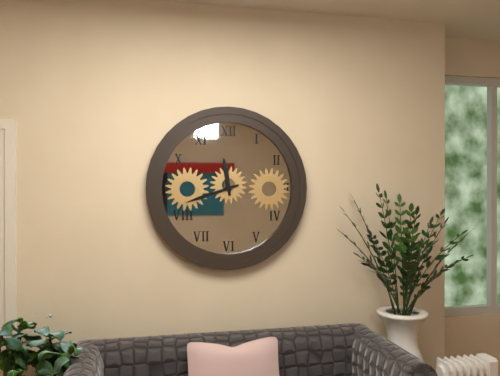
11:42
